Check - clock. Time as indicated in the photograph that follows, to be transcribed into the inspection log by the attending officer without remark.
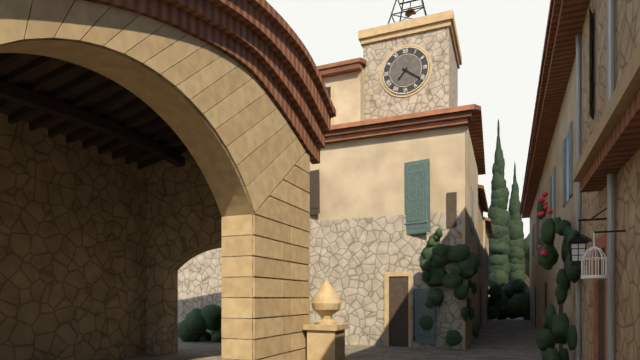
7:21
